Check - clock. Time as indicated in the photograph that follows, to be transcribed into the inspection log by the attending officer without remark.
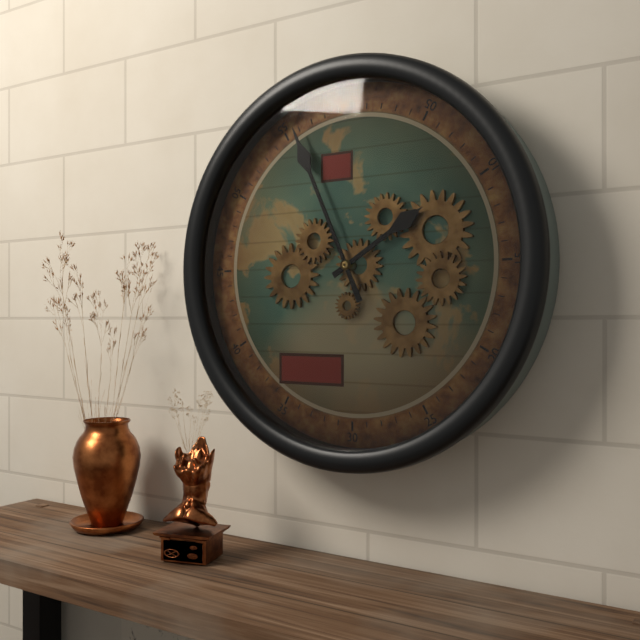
1:56
